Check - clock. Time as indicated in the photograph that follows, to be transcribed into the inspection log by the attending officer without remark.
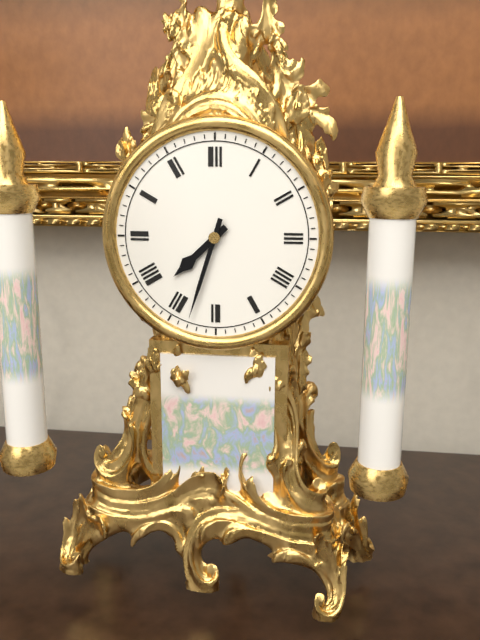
7:33
